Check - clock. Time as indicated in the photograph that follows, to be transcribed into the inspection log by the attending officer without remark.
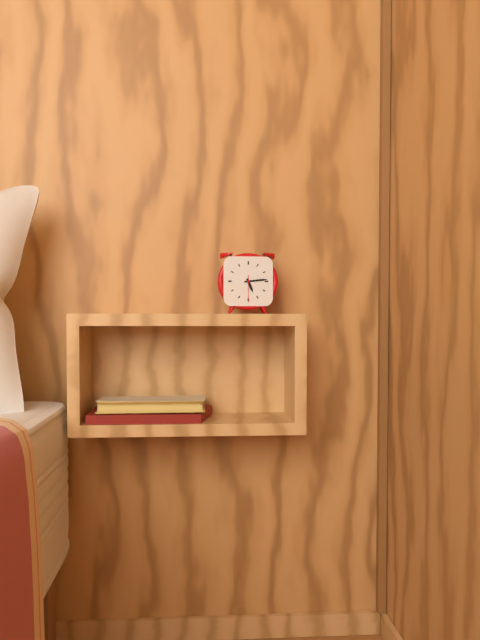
5:14
